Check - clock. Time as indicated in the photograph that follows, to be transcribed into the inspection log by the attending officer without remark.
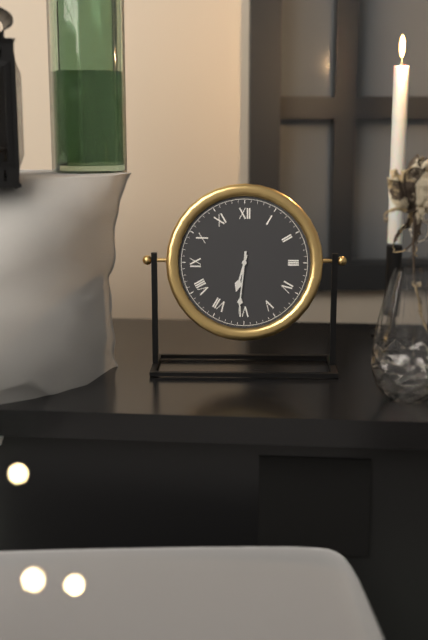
6:31
